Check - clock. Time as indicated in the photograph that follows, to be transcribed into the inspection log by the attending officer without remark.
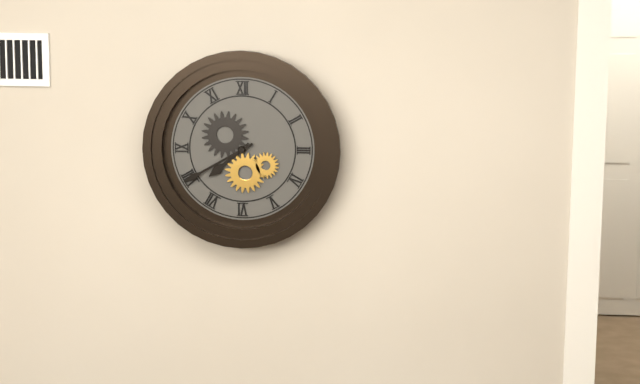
7:40
